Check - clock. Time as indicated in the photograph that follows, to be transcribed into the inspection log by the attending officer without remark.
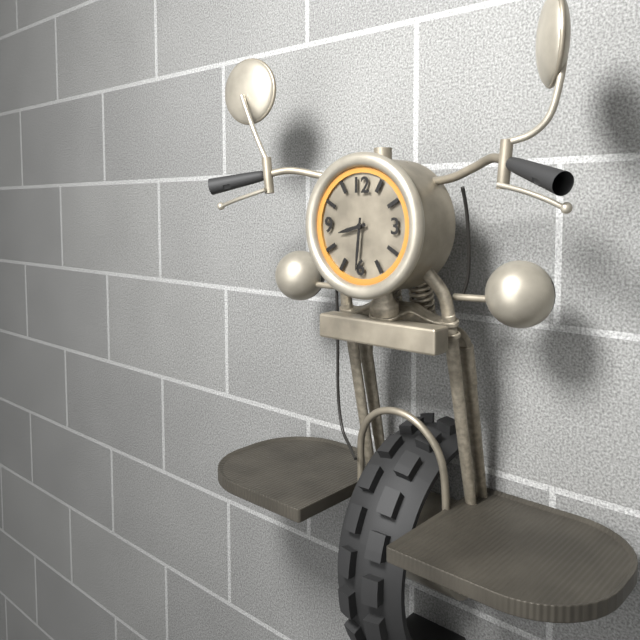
8:31
